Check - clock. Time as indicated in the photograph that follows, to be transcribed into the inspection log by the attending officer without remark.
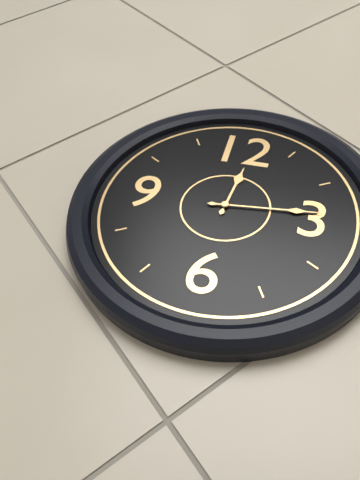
12:14
